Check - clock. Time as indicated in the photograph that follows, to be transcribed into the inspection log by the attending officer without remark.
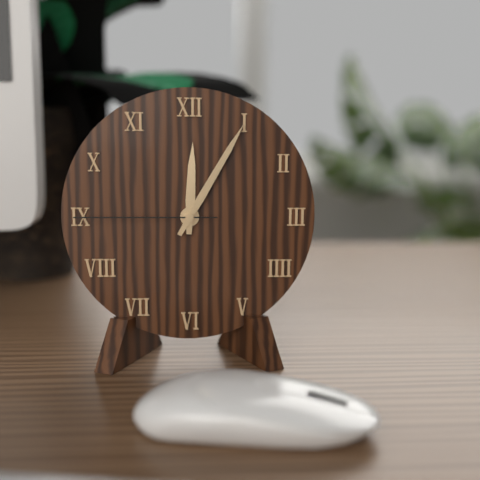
12:05:45
